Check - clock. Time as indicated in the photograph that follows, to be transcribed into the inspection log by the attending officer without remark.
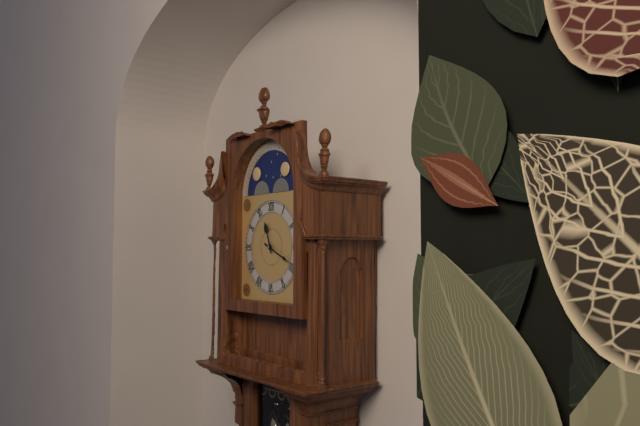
11:19
